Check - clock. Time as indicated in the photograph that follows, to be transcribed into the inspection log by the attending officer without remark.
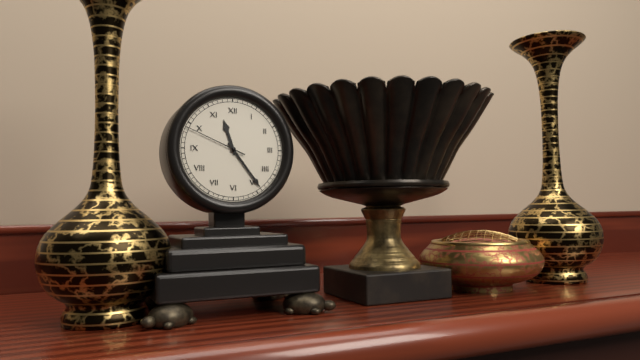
11:24:49
